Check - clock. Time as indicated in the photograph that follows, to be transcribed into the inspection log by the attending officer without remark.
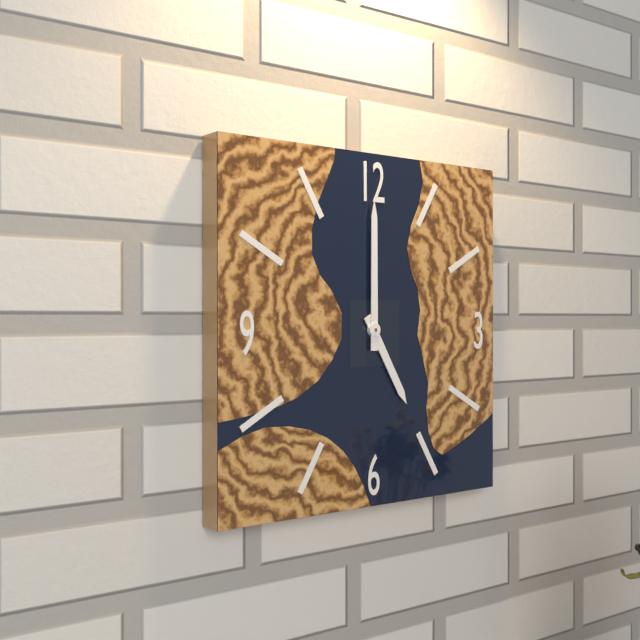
5:00
